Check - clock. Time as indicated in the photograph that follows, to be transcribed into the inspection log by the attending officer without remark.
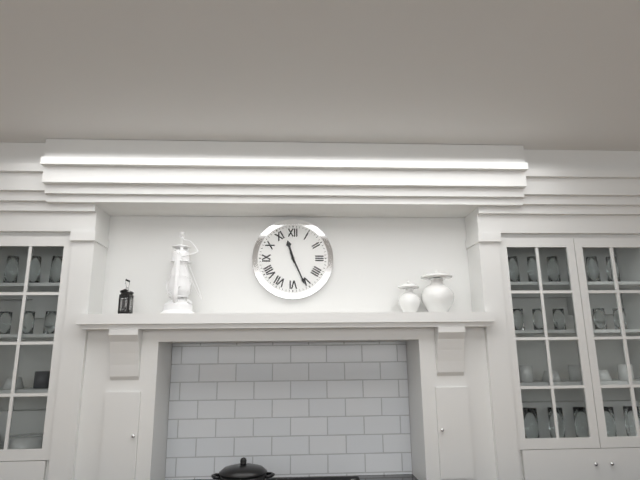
11:26
